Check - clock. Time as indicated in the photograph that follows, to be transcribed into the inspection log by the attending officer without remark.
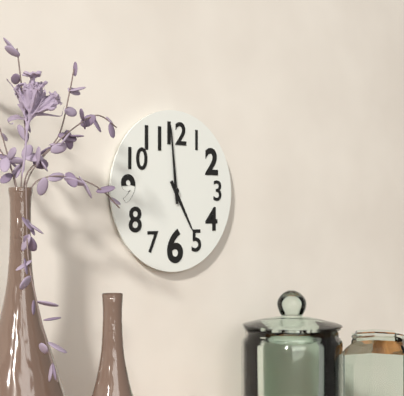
4:59
